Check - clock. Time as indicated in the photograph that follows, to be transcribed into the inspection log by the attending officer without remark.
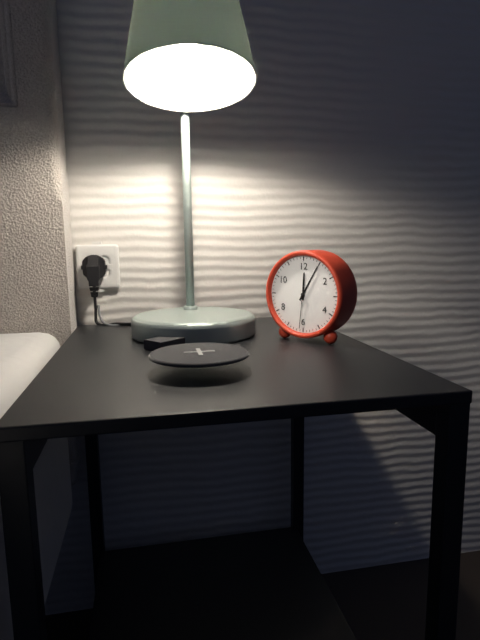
12:05
